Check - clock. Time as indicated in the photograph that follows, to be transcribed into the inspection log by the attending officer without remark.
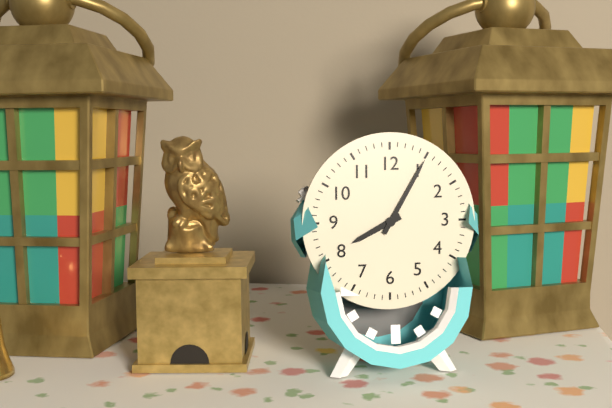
8:05
